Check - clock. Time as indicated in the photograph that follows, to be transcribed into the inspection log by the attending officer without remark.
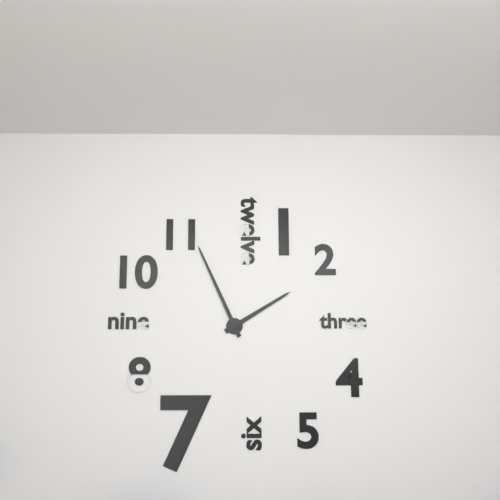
1:56
